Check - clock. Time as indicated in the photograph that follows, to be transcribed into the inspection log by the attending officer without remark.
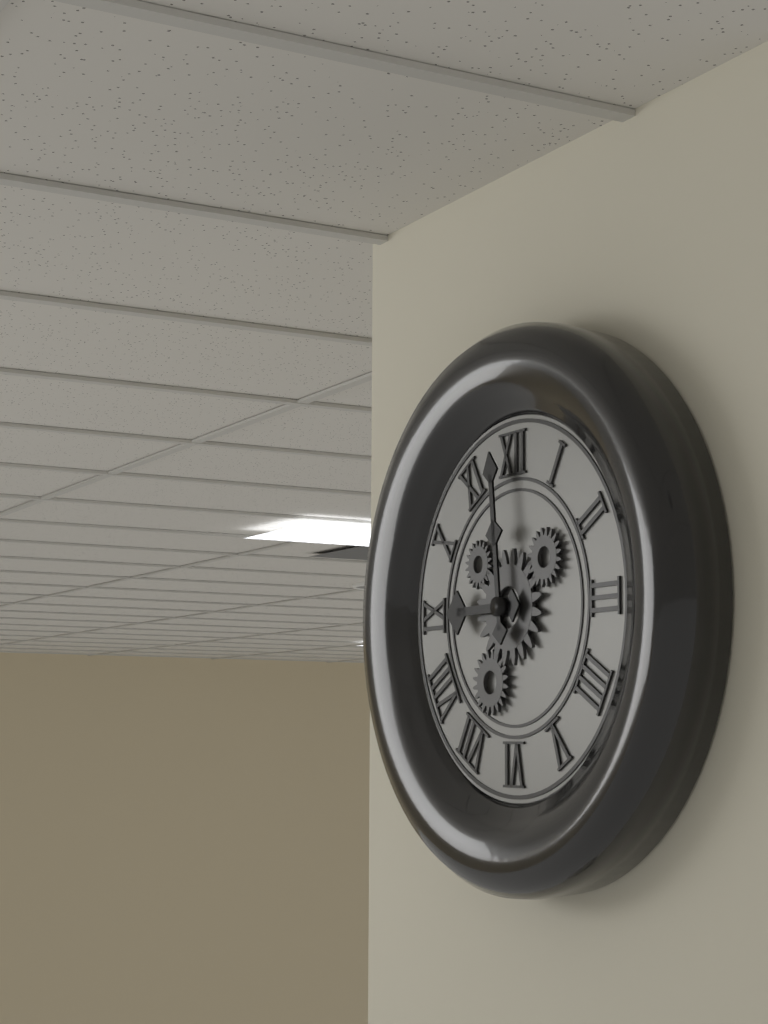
8:59
